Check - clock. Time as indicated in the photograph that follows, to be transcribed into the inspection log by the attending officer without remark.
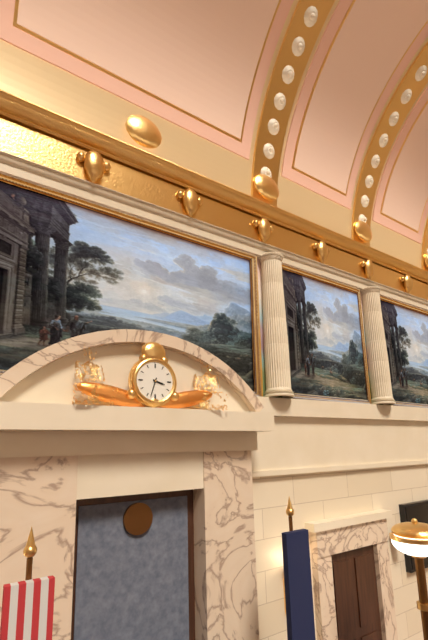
3:33
